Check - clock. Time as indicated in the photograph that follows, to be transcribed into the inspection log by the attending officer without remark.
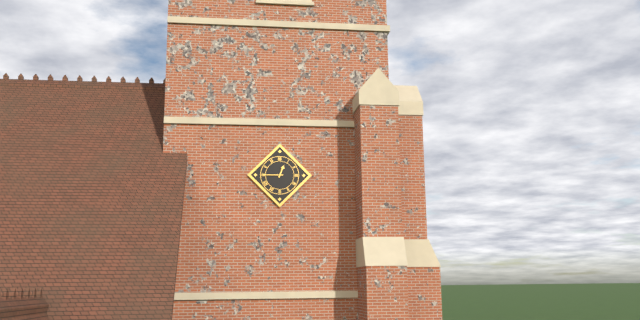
12:45
